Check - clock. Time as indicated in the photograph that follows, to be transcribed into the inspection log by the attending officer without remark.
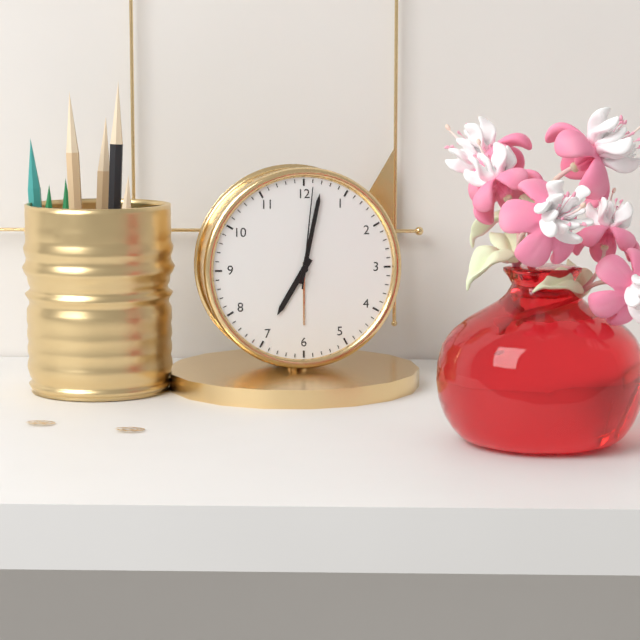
7:02:01
